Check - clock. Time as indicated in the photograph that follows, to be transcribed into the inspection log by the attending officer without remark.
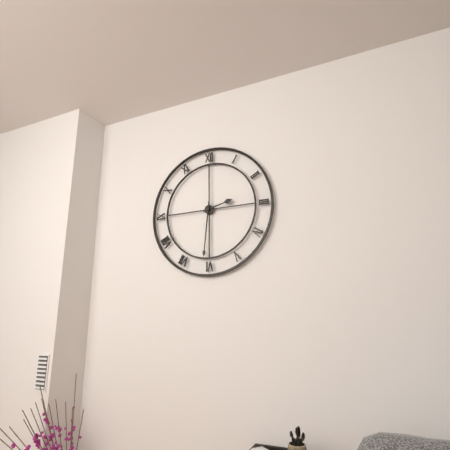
2:31
